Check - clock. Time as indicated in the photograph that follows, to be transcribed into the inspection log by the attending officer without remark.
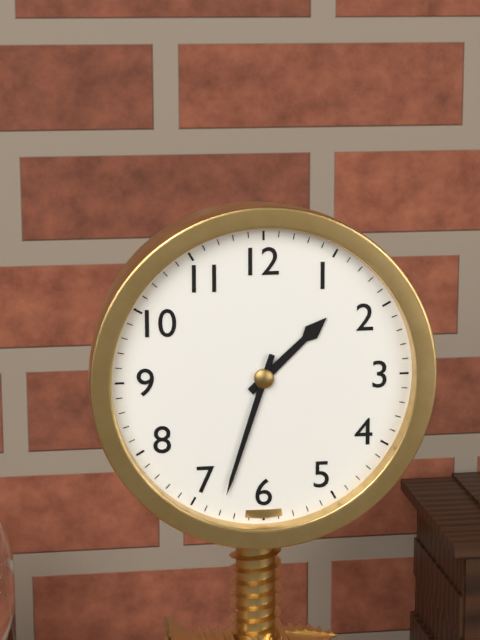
1:33
